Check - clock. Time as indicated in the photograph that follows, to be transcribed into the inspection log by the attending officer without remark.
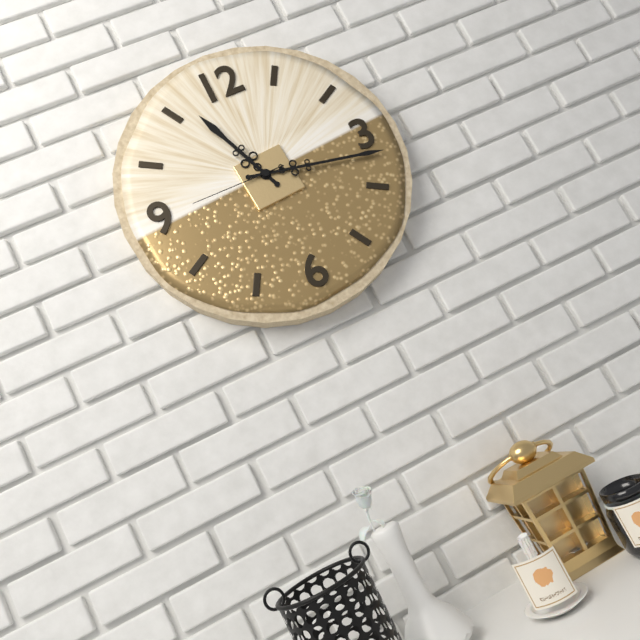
11:17:45
